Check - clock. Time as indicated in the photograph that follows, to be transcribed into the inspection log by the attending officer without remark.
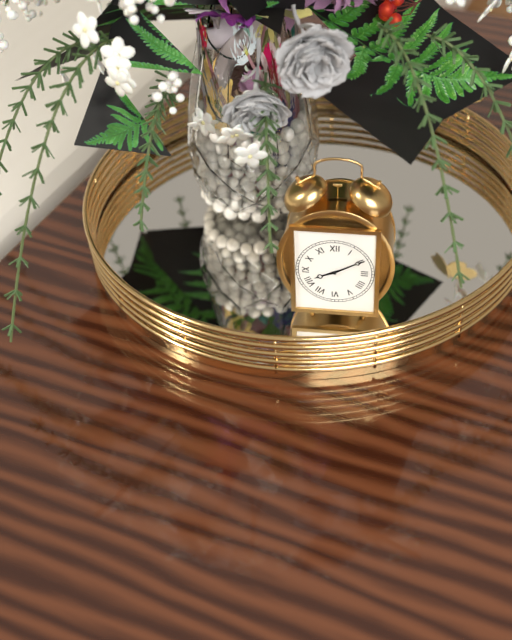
8:10
